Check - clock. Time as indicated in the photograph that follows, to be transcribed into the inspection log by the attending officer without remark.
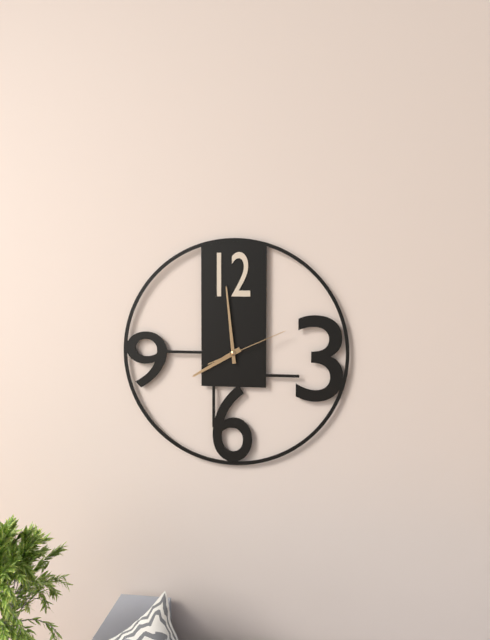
7:59:11
